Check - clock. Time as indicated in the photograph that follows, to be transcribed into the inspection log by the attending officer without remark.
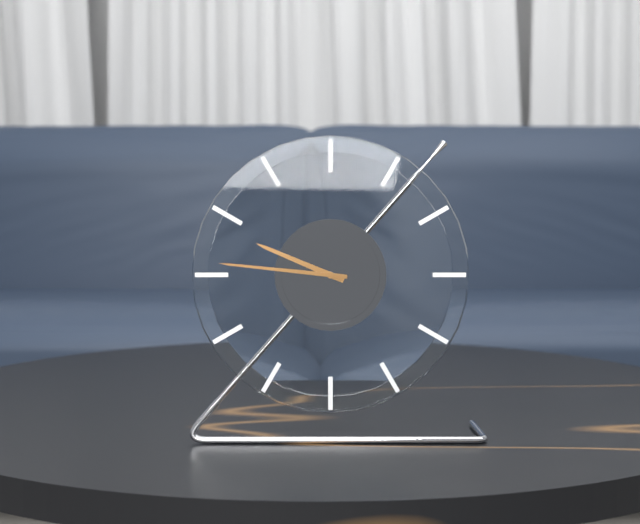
9:46
